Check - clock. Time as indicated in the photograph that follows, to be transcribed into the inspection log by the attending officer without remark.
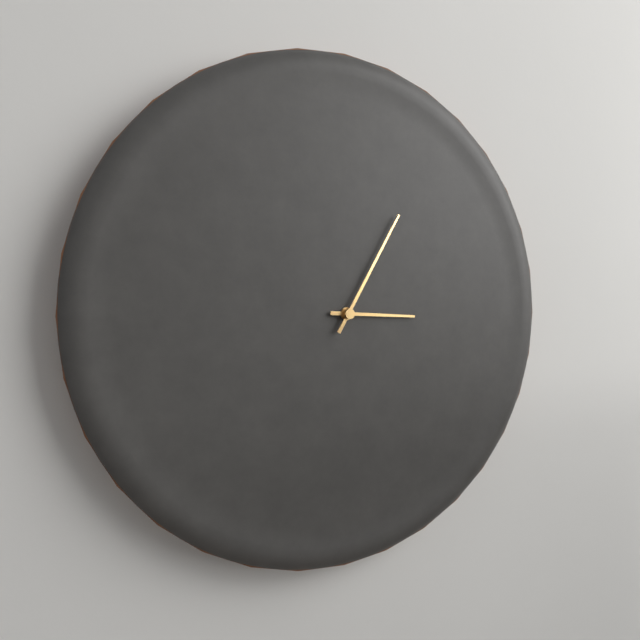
3:05
